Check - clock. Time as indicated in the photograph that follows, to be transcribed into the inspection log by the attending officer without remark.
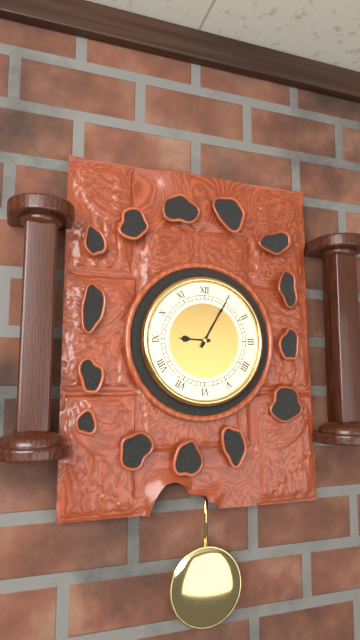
9:05
